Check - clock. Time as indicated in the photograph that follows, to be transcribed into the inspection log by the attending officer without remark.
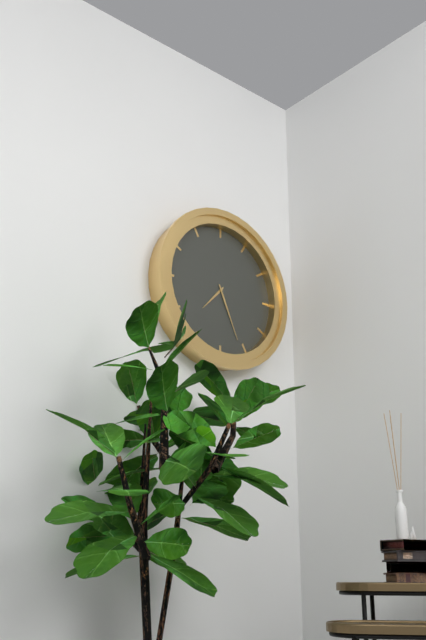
7:26
